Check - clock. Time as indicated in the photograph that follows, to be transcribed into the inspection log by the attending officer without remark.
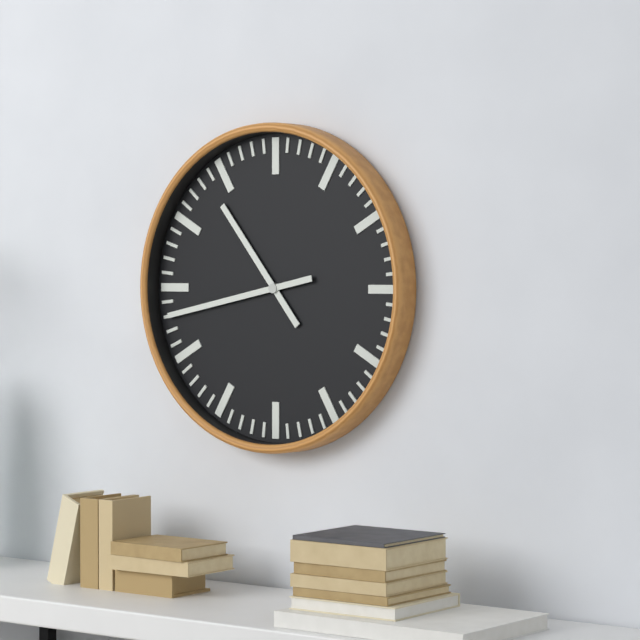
10:43
